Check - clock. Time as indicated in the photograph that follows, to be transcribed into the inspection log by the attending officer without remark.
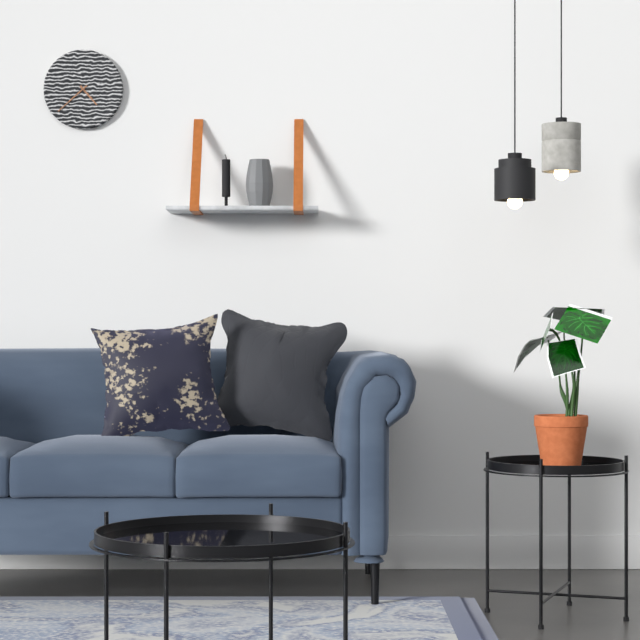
4:38
